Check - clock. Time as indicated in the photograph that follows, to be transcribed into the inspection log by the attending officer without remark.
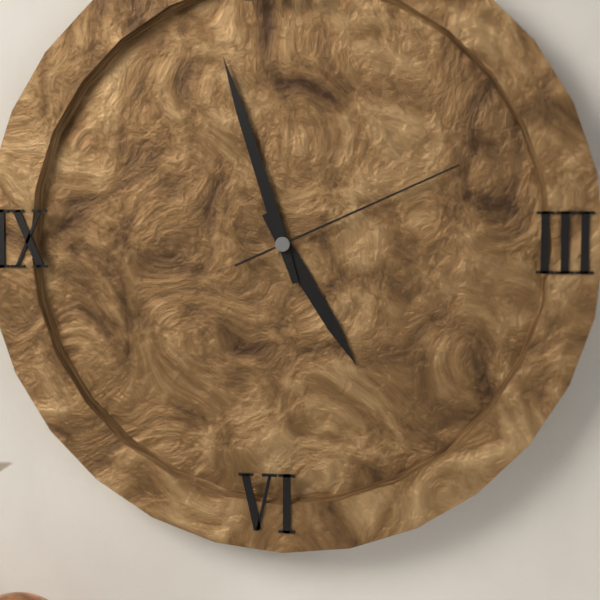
4:57:11
